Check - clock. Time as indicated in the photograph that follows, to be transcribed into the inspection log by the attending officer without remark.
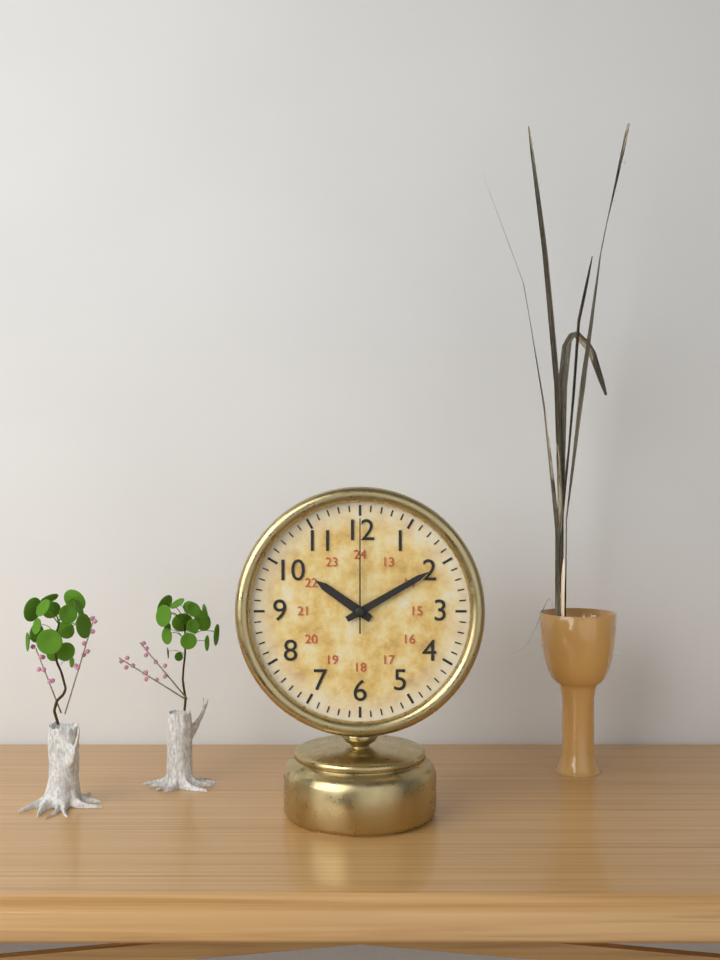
10:10:00
